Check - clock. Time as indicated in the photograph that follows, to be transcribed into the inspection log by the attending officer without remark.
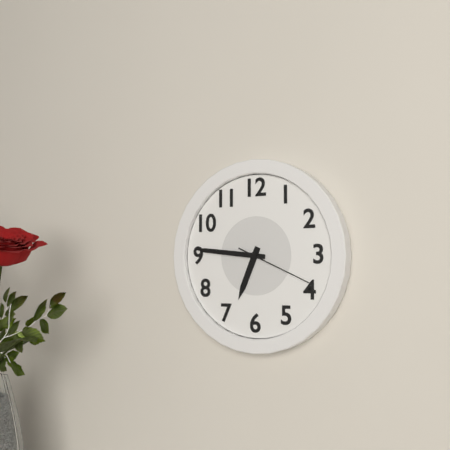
6:46:19
